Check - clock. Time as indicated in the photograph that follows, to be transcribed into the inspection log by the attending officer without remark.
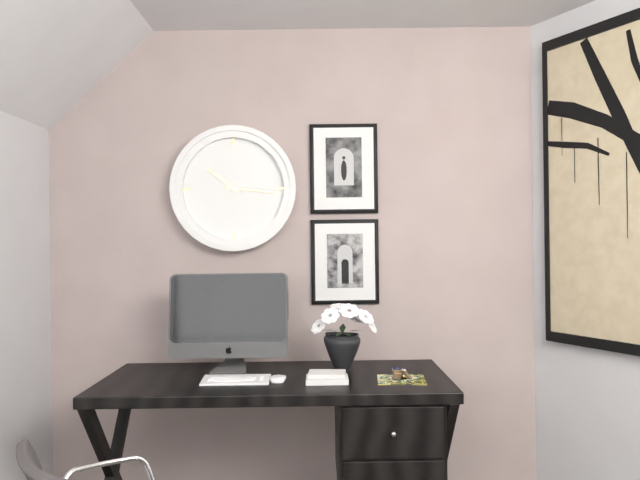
10:16
